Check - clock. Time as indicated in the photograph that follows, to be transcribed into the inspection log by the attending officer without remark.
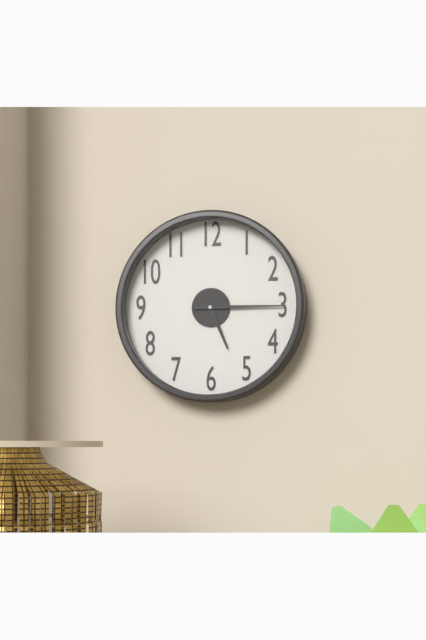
5:15
